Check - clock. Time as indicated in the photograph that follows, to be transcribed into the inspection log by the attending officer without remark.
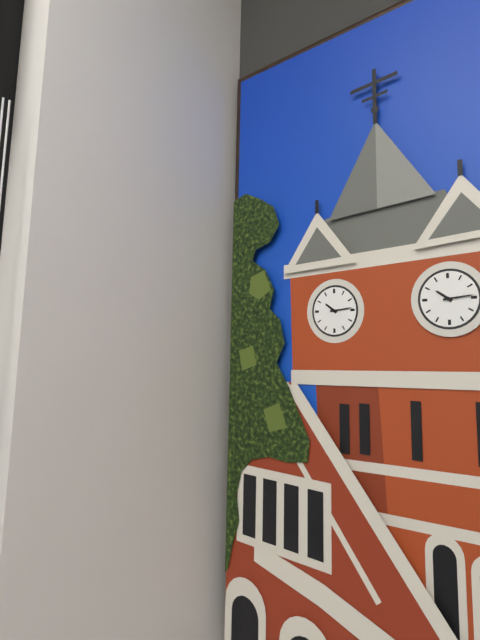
10:14
